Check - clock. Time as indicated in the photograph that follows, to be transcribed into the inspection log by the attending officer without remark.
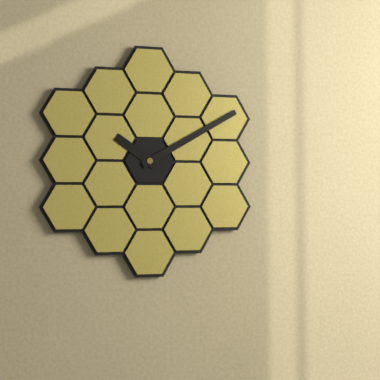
10:10
